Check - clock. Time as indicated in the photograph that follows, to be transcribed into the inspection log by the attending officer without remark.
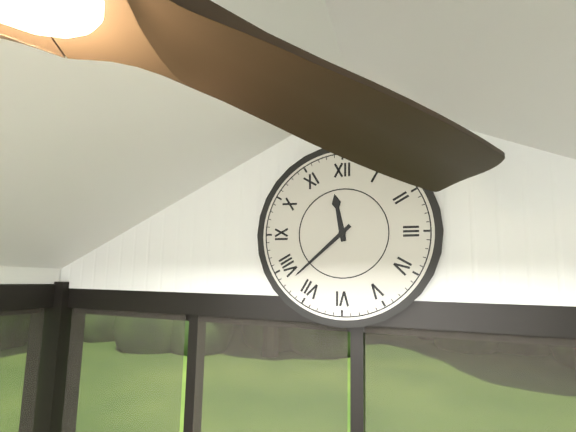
11:38
